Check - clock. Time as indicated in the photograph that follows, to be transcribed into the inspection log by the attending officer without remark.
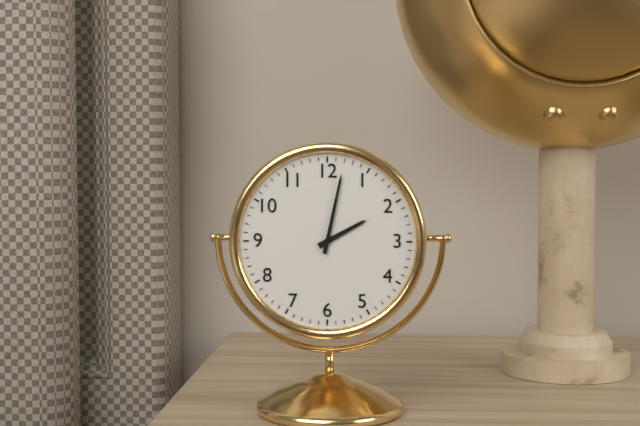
2:02
